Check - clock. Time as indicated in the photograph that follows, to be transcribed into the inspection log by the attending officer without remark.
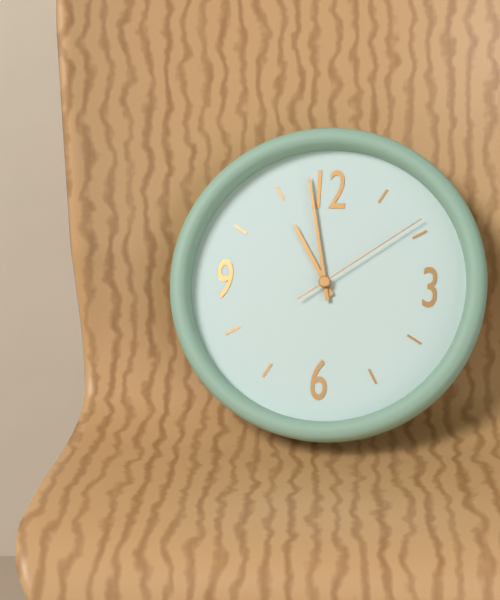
10:58:09
